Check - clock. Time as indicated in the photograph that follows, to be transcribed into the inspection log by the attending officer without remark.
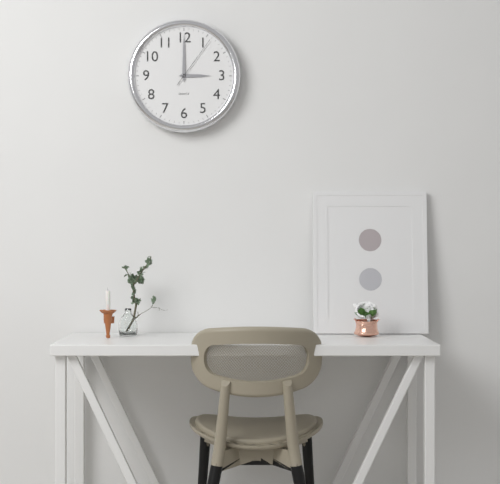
3:00:06
